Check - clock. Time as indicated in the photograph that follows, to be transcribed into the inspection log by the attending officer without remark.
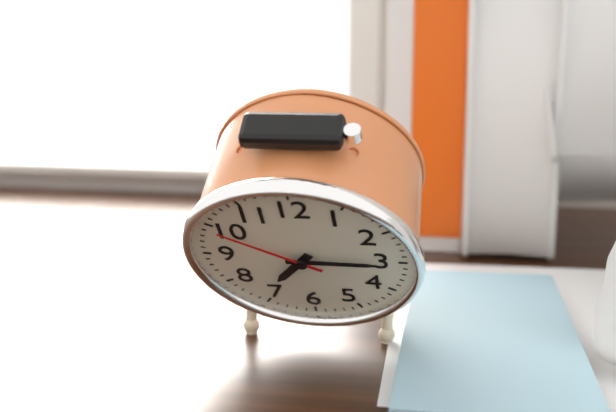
7:15:50
